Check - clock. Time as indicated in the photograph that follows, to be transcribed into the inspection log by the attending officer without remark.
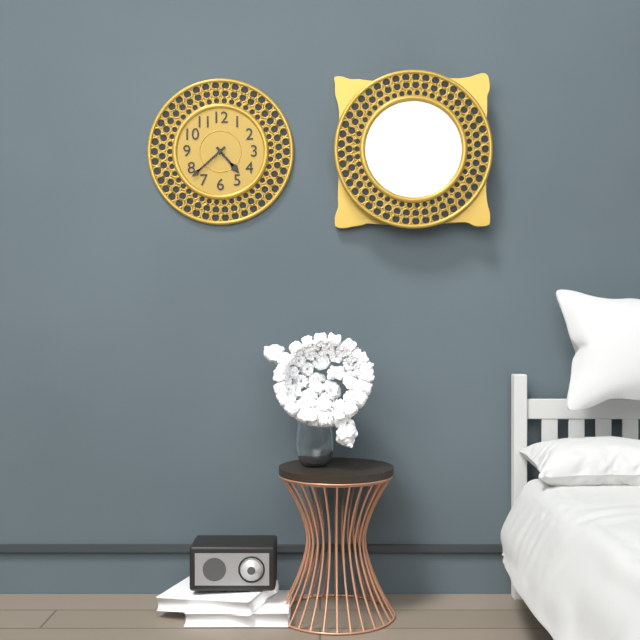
4:38
